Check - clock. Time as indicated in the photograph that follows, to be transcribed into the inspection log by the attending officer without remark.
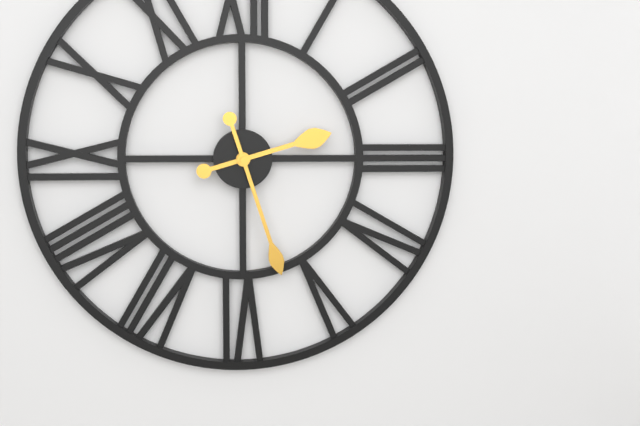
2:27
